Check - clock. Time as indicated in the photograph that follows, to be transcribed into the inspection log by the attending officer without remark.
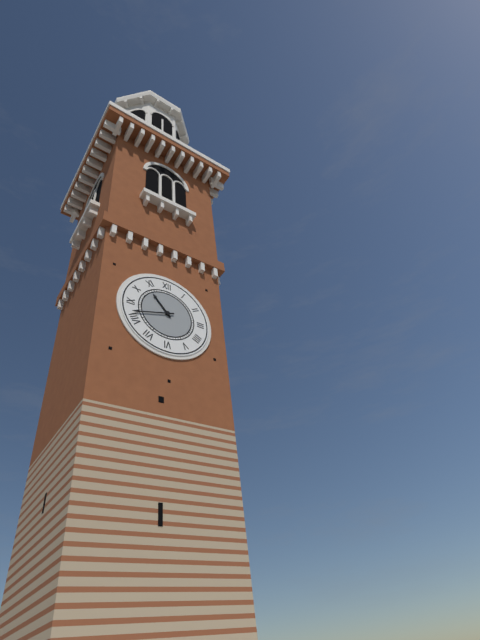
10:42
